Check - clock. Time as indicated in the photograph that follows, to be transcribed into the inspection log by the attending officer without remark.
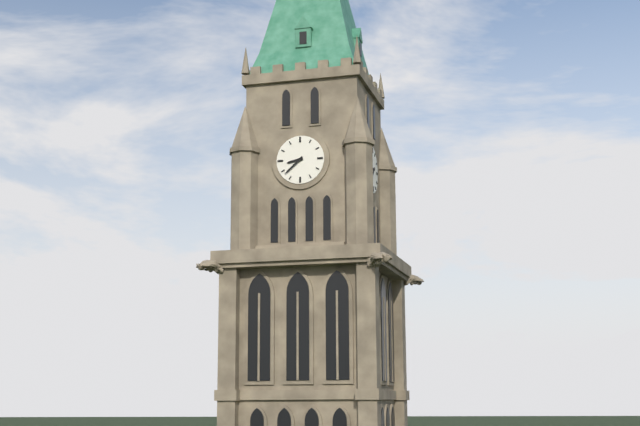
8:38
